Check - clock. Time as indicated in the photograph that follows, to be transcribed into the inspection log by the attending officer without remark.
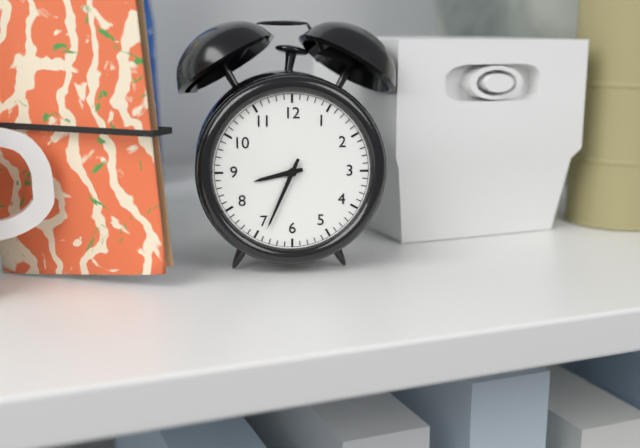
8:34
